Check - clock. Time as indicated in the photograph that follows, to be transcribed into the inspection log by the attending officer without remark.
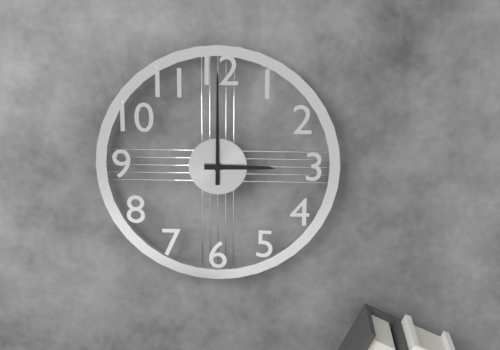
3:00
